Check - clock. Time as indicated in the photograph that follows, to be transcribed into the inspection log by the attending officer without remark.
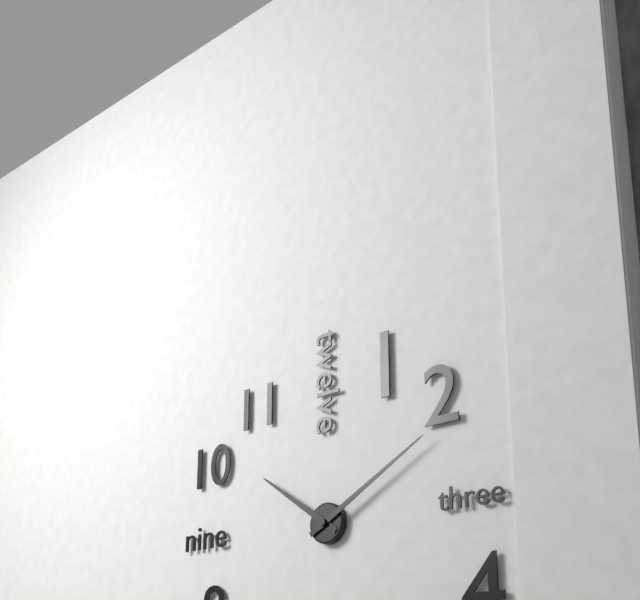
10:10
